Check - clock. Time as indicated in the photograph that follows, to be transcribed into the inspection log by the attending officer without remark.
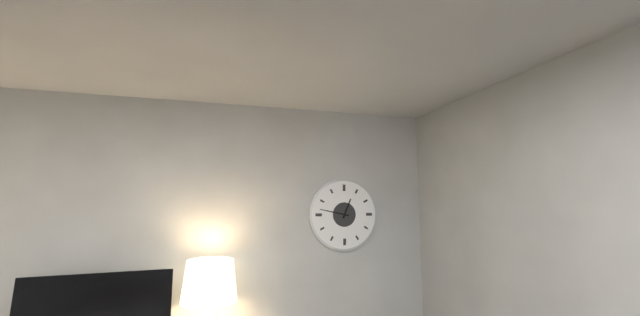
12:47
